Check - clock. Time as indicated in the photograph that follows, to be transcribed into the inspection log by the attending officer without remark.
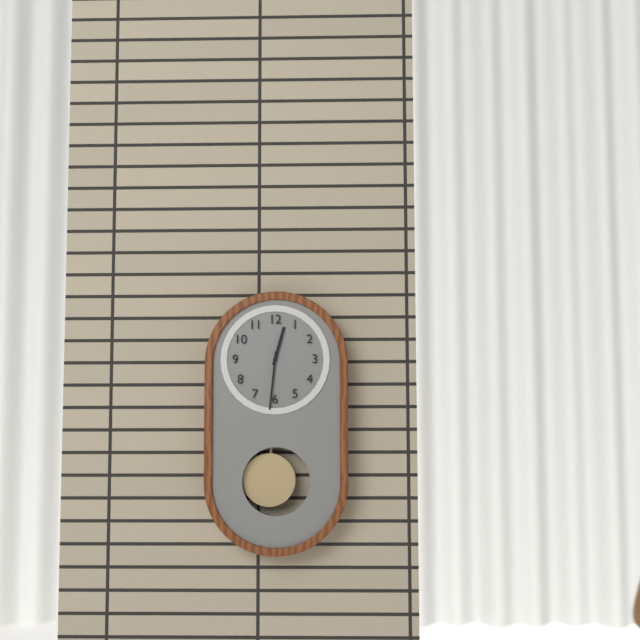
12:31
